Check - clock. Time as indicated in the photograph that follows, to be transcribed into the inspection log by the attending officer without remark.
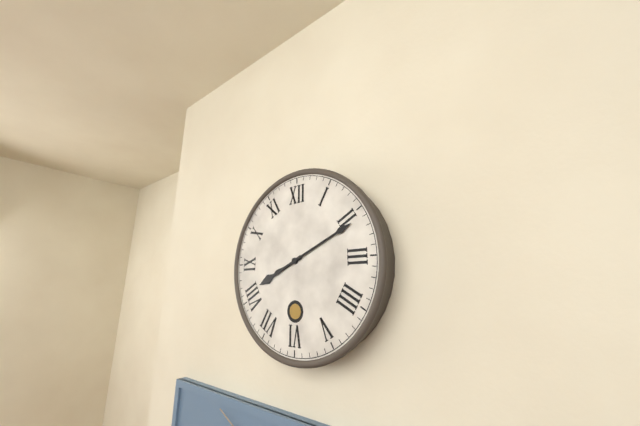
8:11
